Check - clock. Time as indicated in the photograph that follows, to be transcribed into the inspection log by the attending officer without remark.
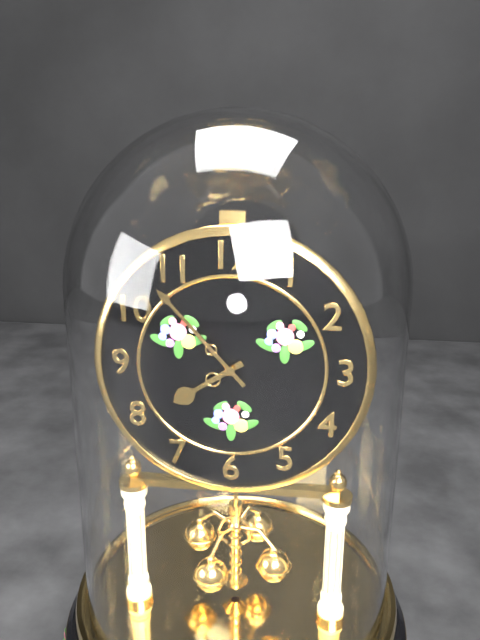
7:53
